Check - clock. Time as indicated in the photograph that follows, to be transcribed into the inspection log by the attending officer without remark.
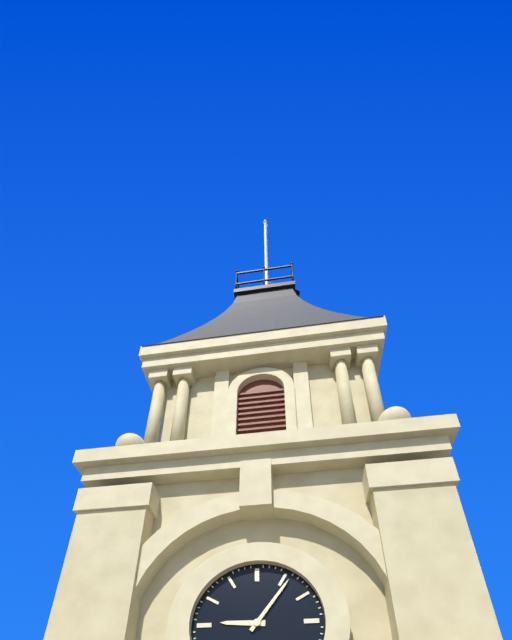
9:06
